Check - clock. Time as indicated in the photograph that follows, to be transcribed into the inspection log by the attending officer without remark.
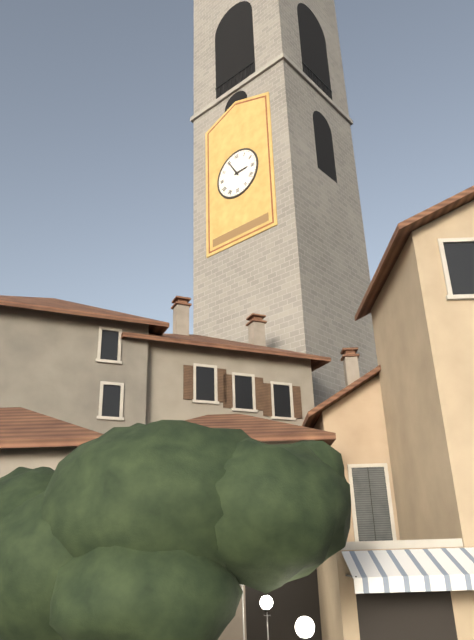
2:55
